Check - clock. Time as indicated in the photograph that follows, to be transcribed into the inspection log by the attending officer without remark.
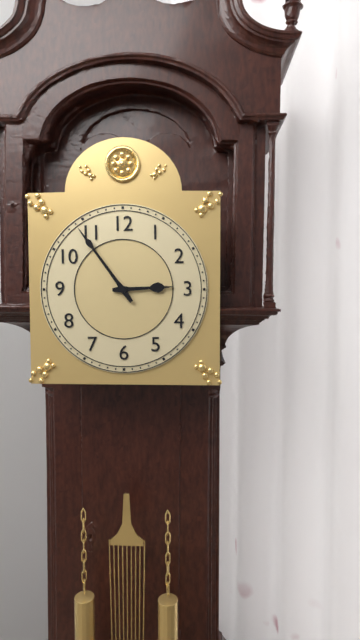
2:54
